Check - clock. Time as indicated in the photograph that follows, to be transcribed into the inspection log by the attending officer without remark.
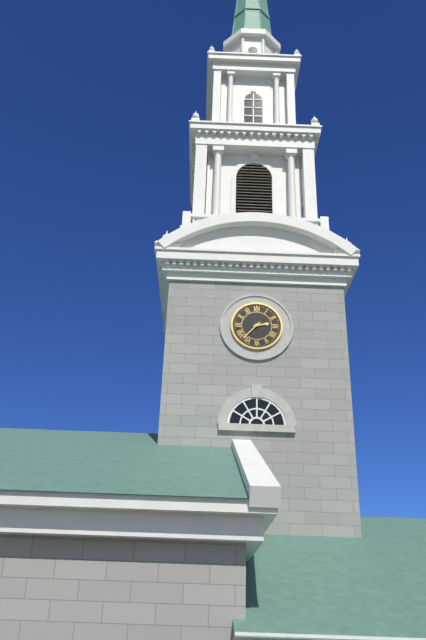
2:37
